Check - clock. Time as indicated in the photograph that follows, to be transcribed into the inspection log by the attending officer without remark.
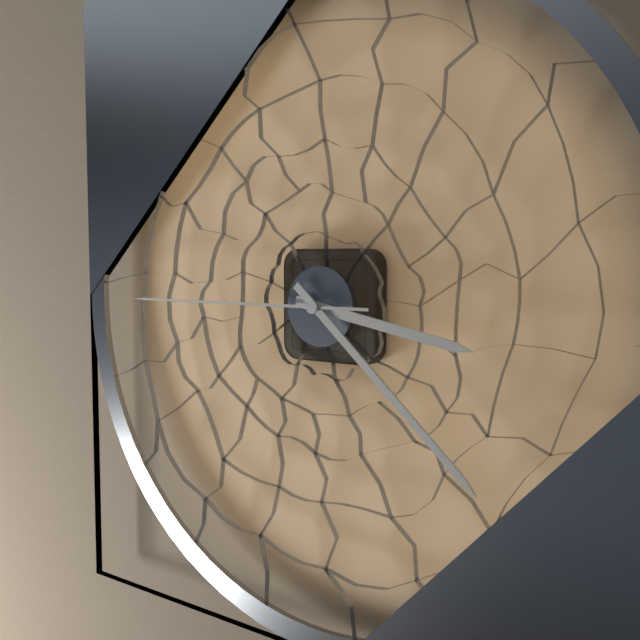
3:22:45
